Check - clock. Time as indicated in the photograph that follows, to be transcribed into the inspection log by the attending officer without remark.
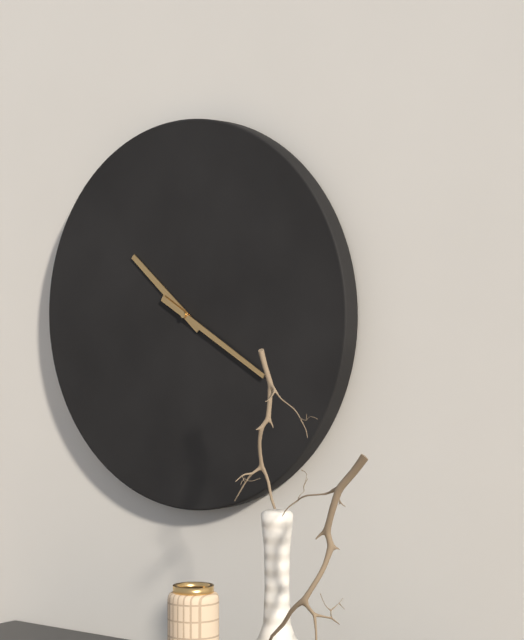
10:20
